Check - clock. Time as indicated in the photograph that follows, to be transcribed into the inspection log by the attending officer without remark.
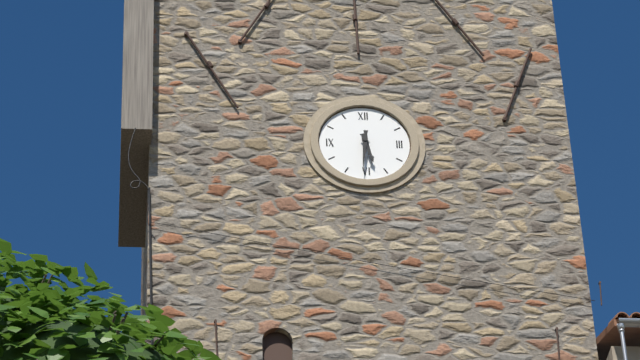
5:31
